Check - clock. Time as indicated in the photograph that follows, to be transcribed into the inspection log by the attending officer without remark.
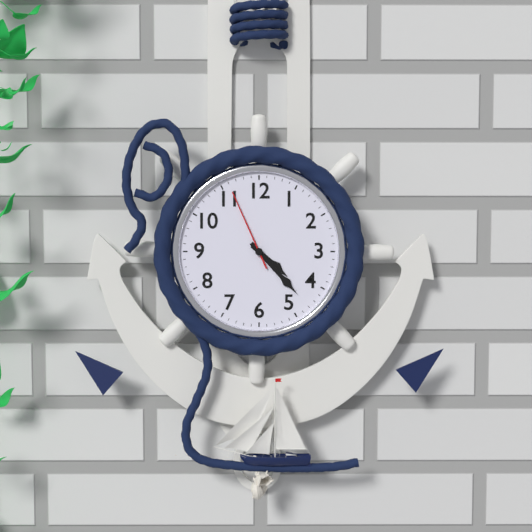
4:23:56
